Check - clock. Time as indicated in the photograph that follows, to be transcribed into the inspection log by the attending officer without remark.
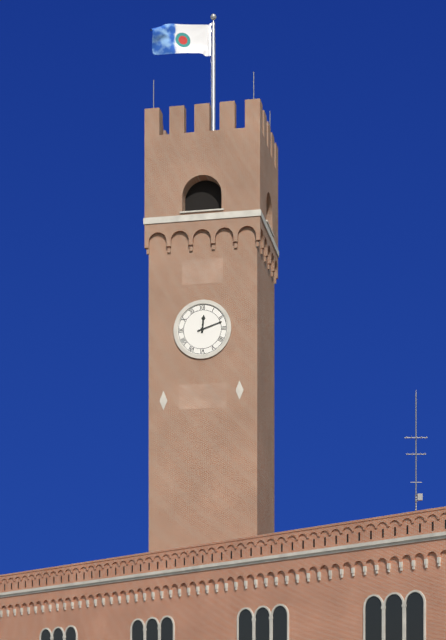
12:12
